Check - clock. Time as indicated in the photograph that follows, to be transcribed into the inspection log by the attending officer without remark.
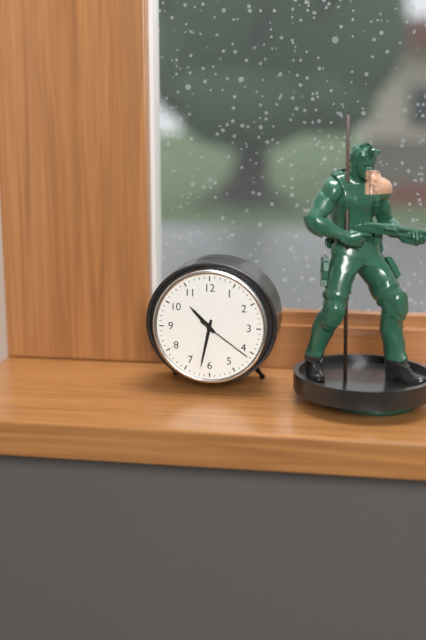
10:32:21
